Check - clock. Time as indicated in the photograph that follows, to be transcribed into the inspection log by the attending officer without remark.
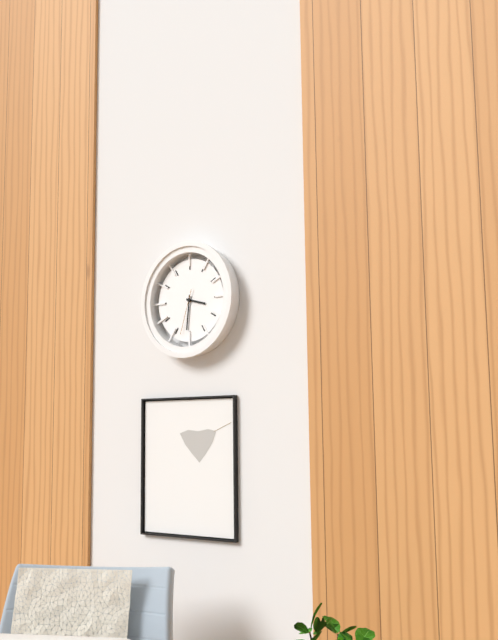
3:31
